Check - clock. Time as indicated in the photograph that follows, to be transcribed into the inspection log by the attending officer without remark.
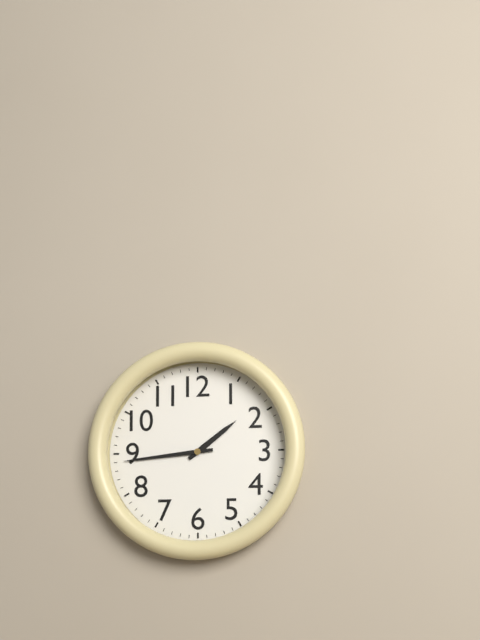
1:44
